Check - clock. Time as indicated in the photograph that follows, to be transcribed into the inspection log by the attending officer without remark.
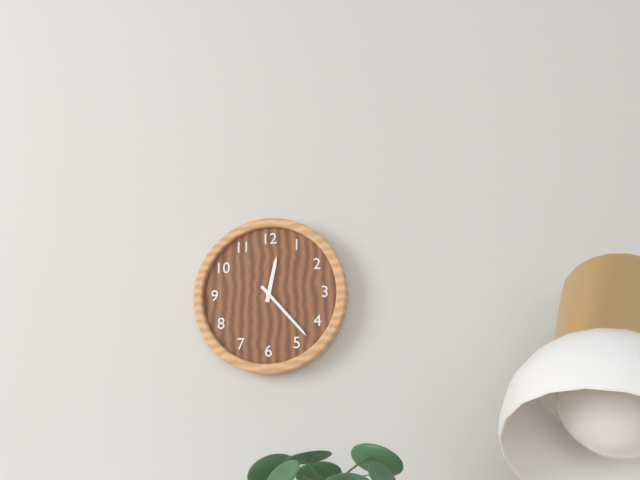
12:23
